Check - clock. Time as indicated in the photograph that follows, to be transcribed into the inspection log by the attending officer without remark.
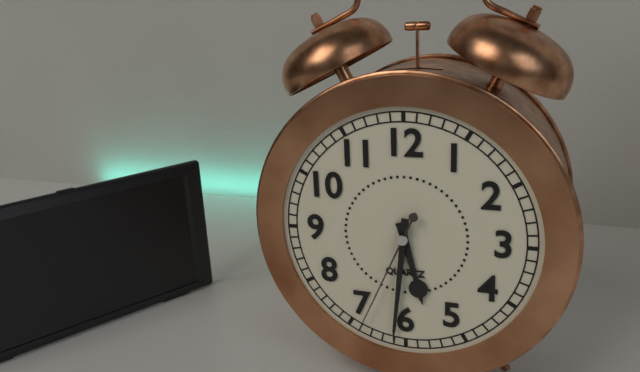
5:31:34
